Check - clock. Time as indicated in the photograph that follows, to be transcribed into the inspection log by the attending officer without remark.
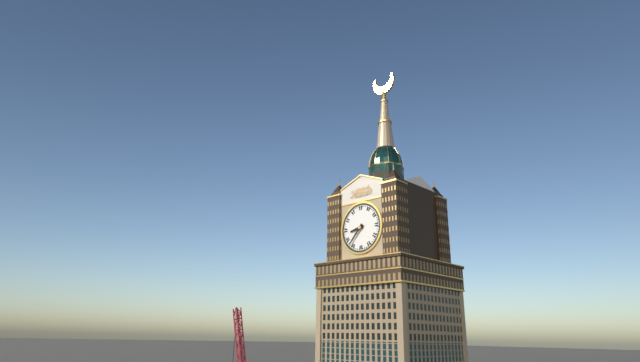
8:37
